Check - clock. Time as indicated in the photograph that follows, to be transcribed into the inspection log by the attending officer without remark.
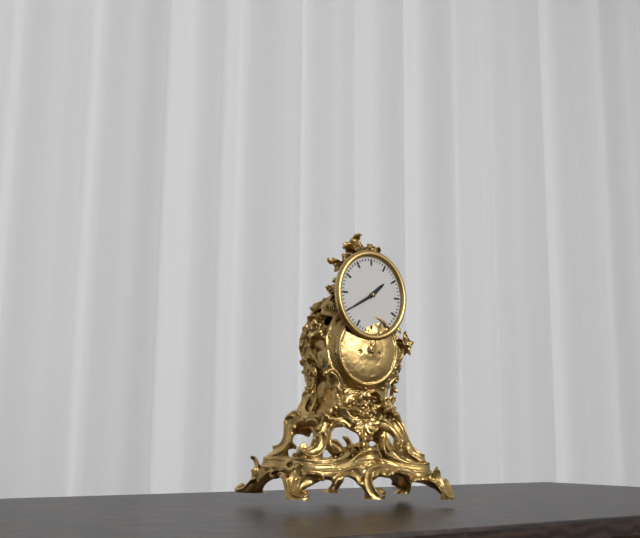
1:40
